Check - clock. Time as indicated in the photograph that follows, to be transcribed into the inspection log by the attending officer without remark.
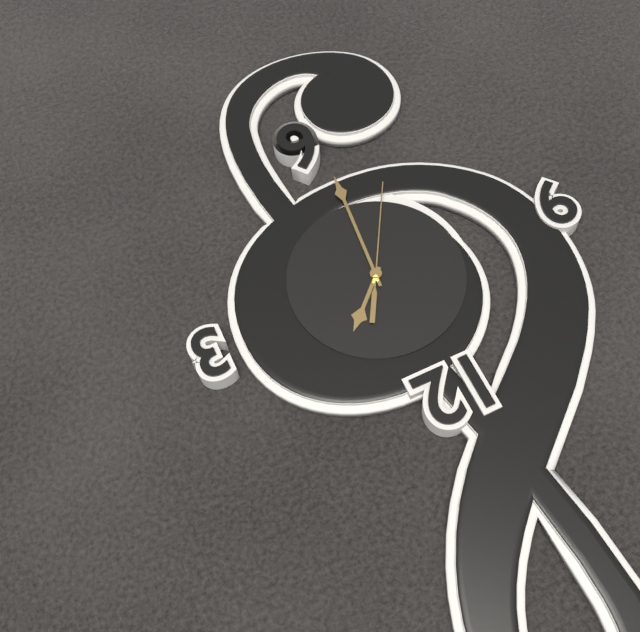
1:31:35
